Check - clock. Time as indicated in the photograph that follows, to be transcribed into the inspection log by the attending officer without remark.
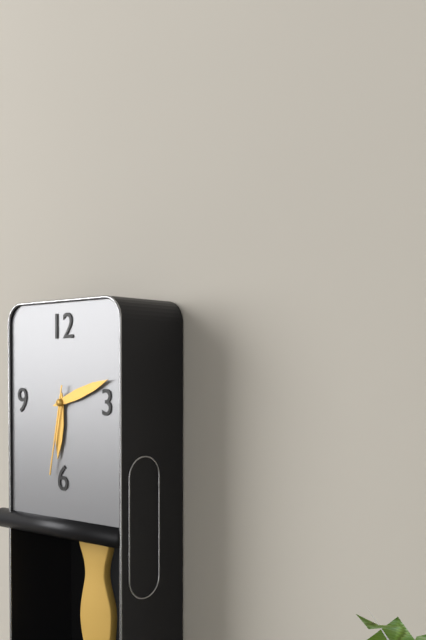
6:12:32
